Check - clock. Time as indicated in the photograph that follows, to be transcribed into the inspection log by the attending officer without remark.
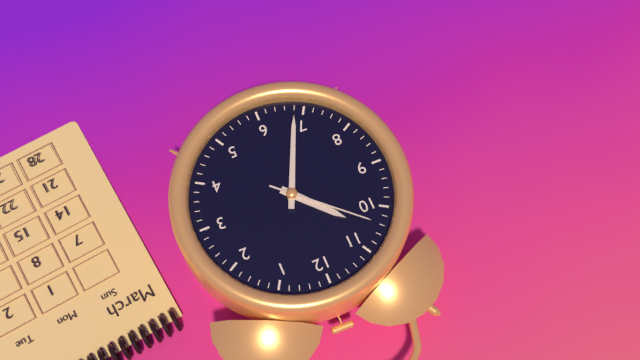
10:34:52
